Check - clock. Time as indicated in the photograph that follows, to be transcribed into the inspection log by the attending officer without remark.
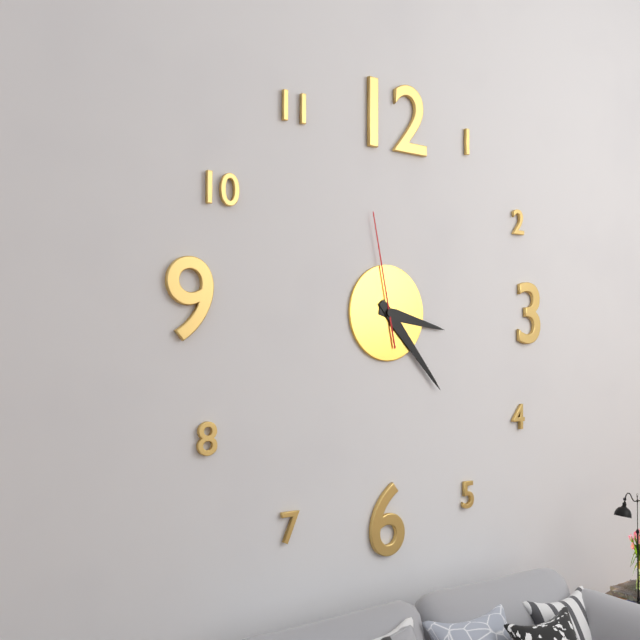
3:23:58
